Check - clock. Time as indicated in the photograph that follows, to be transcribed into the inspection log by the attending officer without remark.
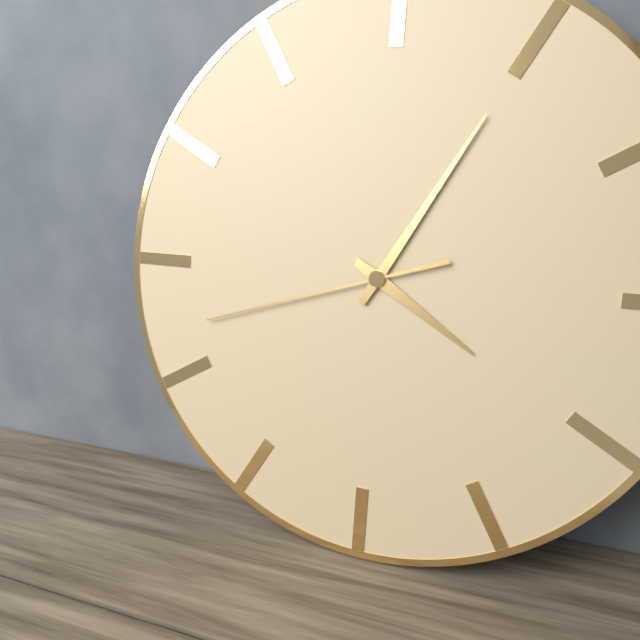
4:05:42
